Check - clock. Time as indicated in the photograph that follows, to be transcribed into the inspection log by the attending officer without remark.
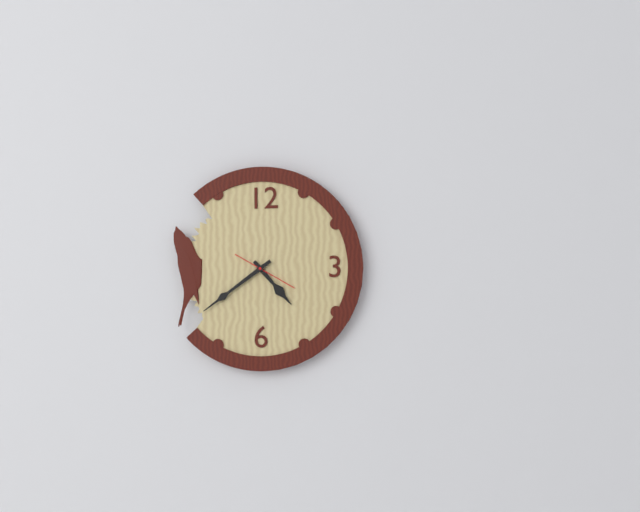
4:39:20
